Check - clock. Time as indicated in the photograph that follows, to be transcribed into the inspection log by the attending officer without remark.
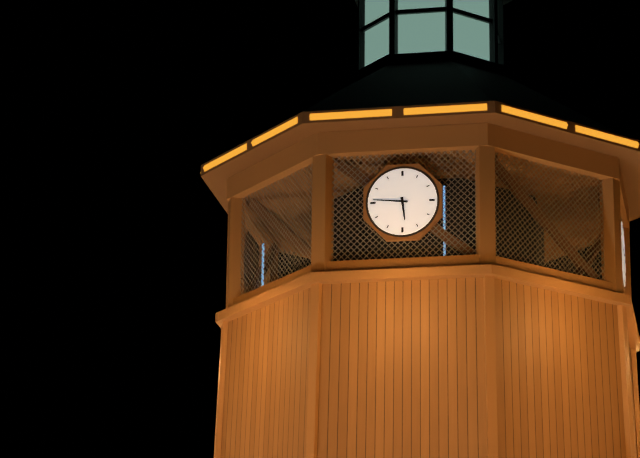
5:46
